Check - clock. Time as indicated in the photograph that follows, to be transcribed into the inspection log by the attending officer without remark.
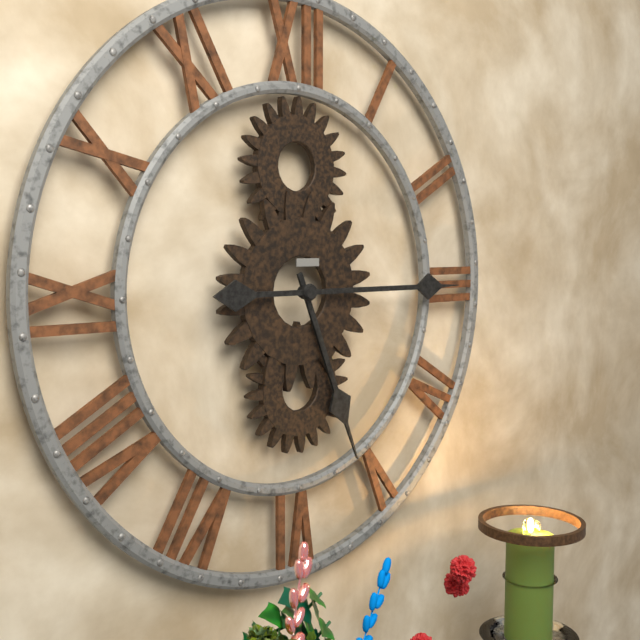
5:15
